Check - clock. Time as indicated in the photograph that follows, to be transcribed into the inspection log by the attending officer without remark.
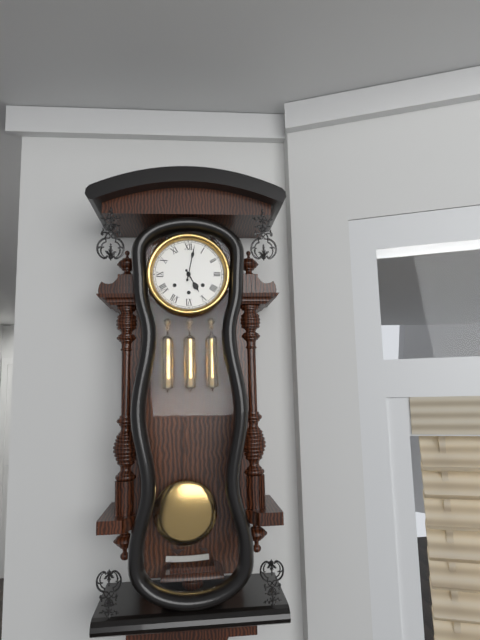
5:02
